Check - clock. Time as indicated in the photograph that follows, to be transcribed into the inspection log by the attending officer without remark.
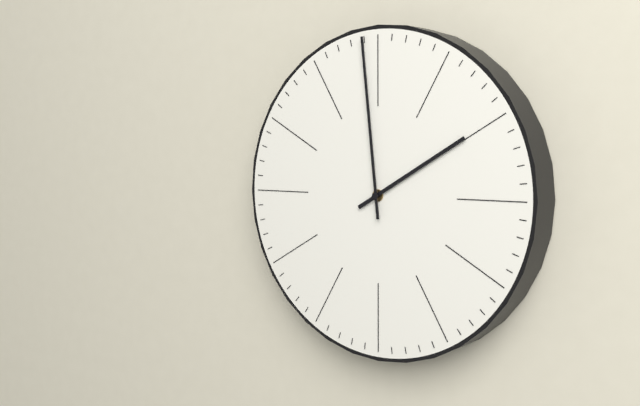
1:59
